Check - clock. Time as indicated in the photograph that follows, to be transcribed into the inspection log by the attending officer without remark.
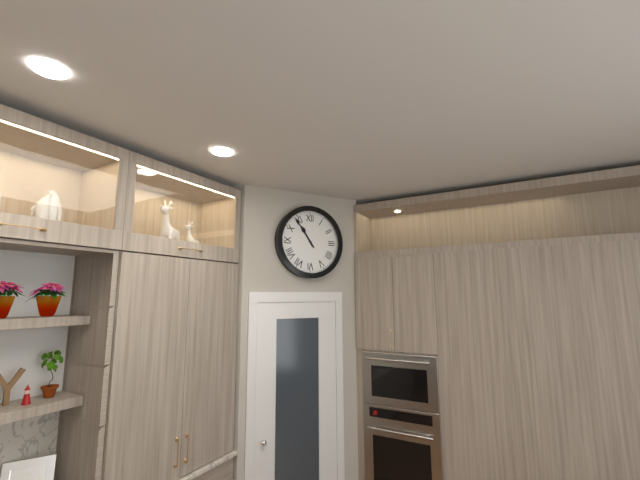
10:54
